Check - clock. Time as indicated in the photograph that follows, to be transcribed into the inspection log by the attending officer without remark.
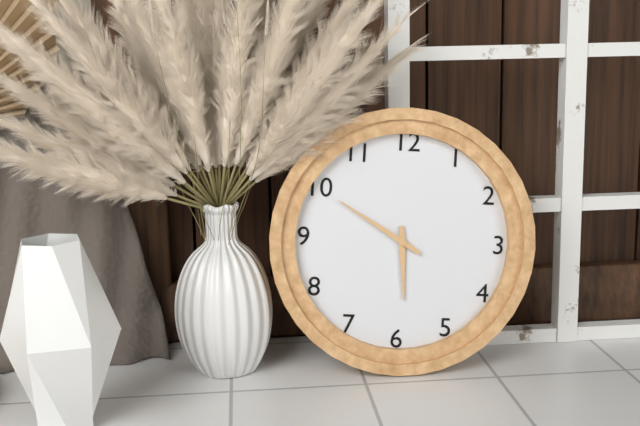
5:50
